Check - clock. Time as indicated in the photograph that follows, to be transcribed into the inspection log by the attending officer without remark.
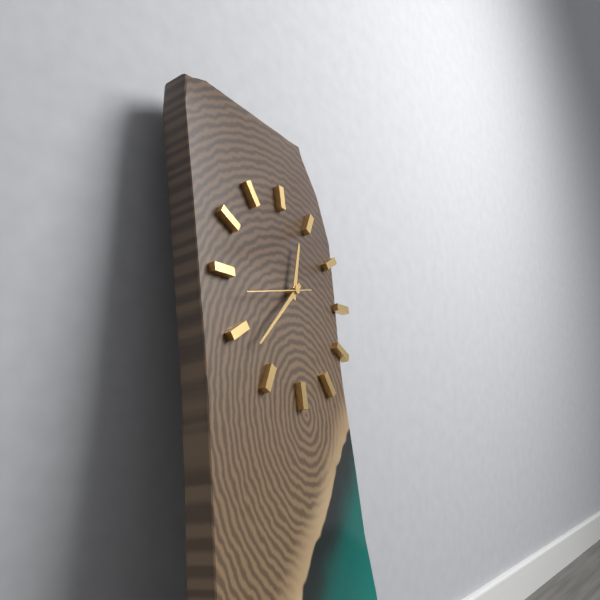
12:38:43
